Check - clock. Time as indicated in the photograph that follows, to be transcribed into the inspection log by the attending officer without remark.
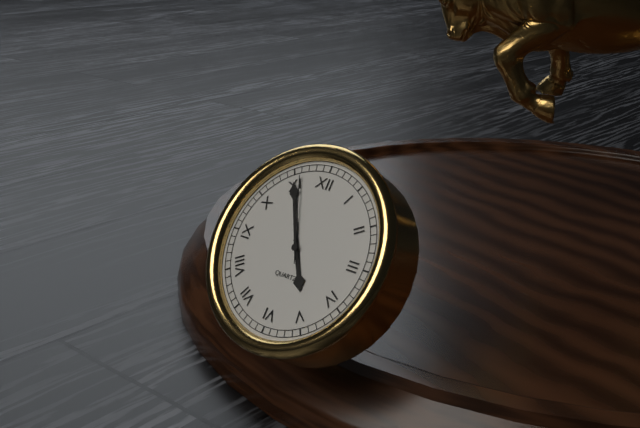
4:55:56
